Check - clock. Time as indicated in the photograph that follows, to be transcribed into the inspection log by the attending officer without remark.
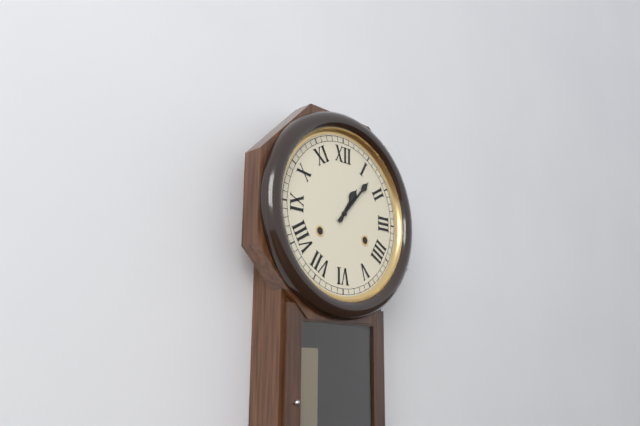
1:07
